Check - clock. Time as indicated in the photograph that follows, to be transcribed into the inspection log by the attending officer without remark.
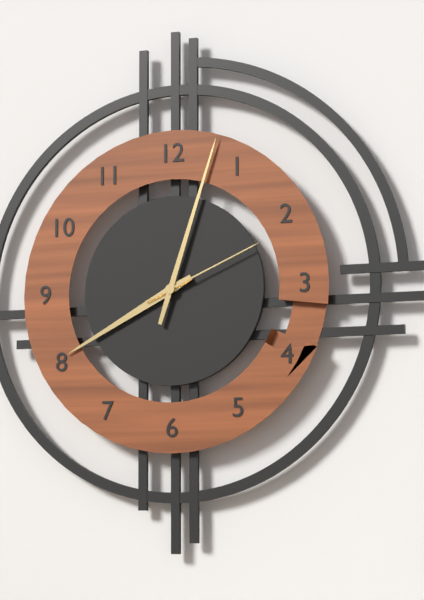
8:03:11
